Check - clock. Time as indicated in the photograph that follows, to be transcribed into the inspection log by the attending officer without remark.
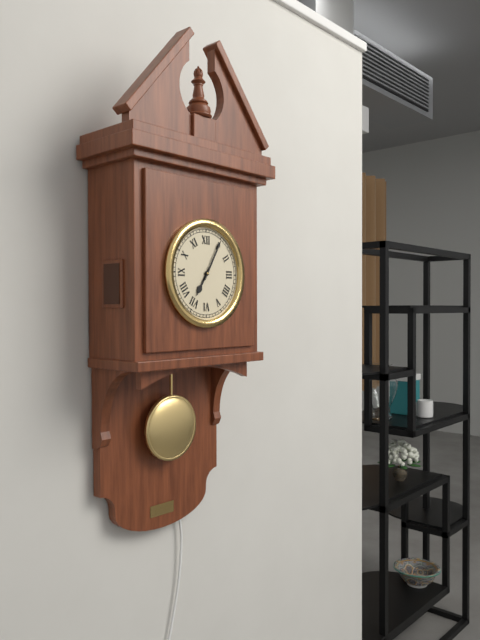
7:05
